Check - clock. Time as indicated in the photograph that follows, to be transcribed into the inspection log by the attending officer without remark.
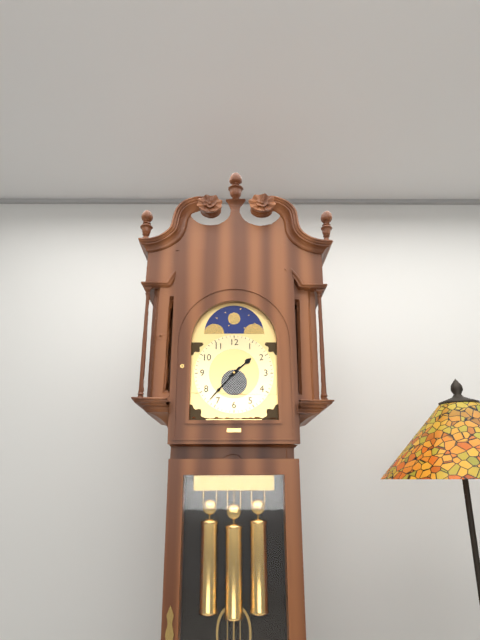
1:37
